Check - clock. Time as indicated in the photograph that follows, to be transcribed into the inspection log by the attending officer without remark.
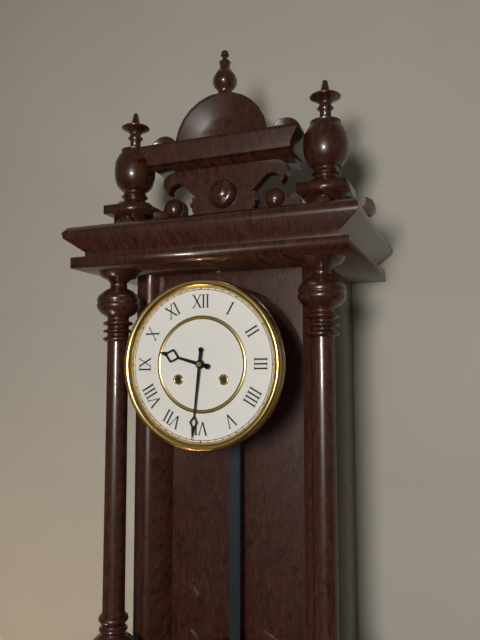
9:31
